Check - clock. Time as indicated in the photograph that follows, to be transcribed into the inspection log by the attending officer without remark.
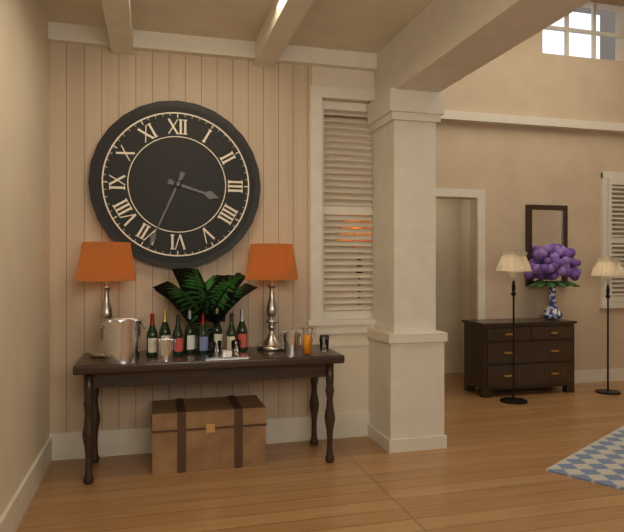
3:34
